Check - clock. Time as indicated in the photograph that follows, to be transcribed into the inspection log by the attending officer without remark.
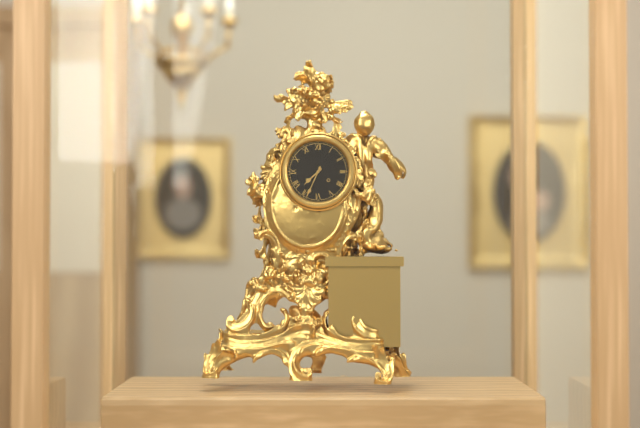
7:34
